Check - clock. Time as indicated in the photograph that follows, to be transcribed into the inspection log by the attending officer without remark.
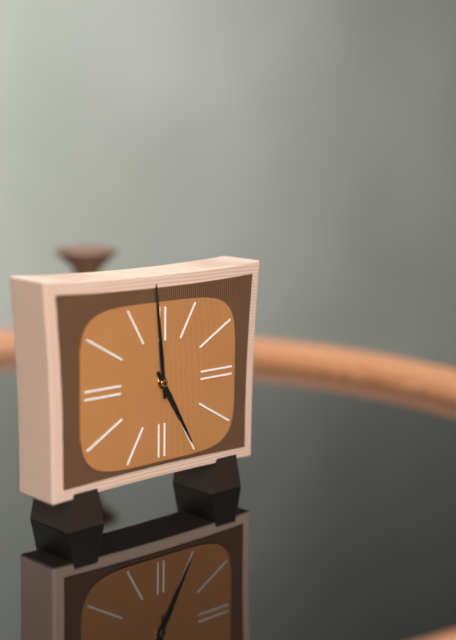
4:59
